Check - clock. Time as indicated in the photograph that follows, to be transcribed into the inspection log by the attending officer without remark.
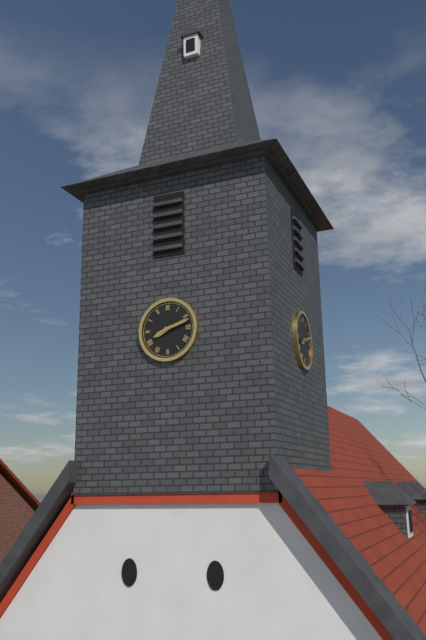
8:12
